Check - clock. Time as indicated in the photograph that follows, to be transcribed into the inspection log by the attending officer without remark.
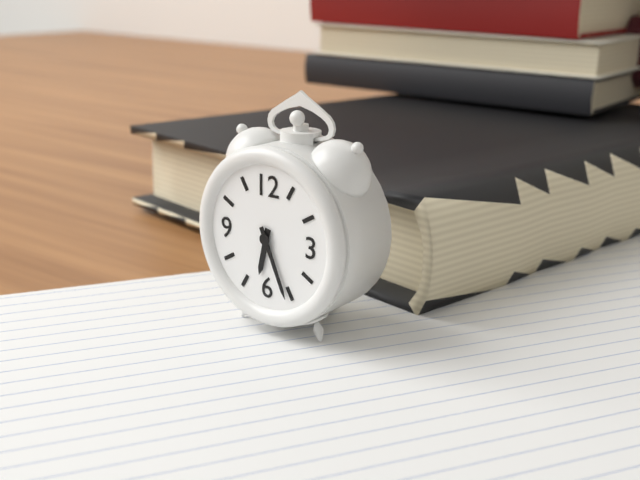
6:26
